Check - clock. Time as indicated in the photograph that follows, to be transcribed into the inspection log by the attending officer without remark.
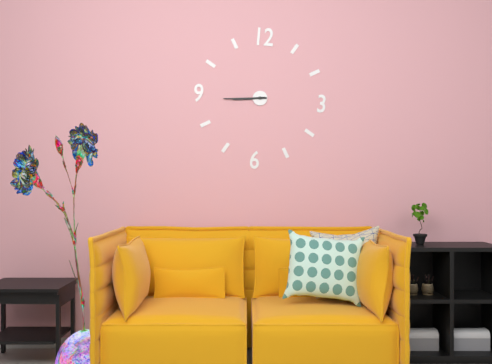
8:44
